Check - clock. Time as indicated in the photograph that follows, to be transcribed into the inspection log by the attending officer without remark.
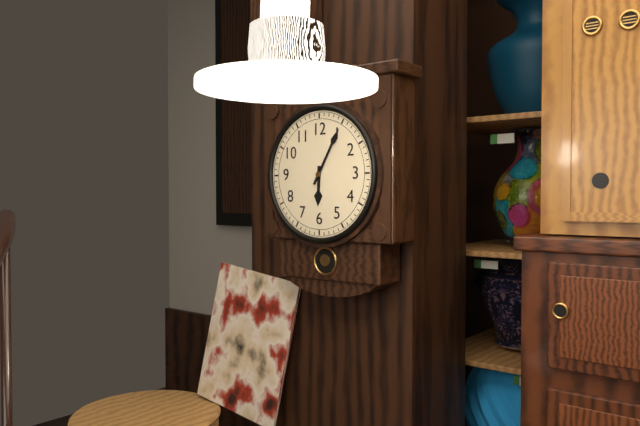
6:05
